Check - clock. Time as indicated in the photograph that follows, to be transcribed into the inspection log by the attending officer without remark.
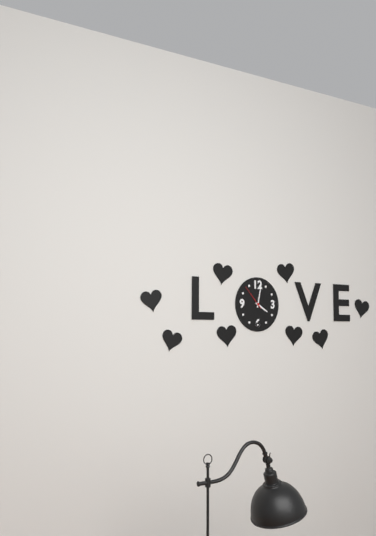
4:02
